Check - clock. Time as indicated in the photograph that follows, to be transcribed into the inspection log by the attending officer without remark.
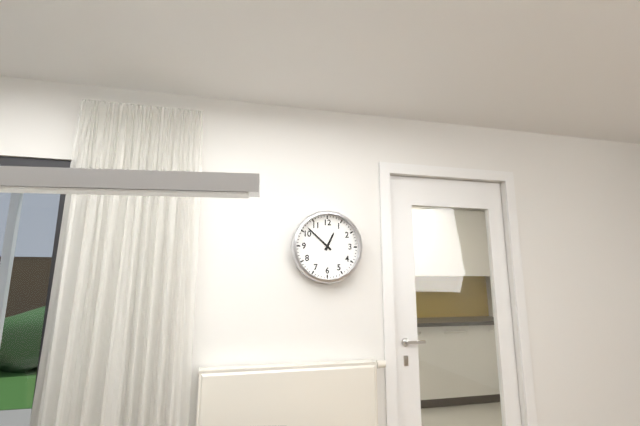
12:52
